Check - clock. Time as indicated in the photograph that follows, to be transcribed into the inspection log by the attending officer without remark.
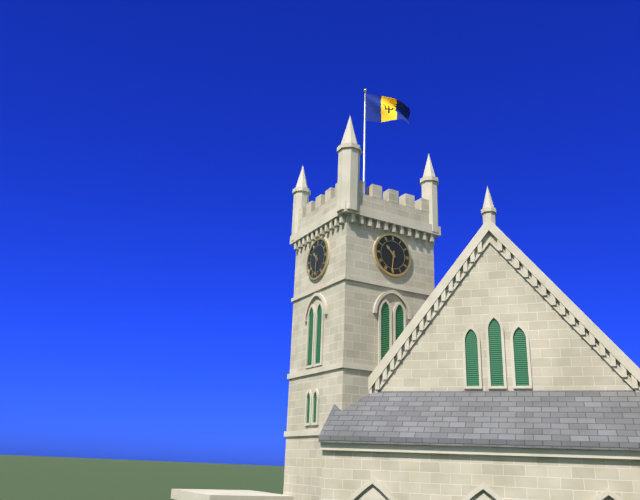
10:31
